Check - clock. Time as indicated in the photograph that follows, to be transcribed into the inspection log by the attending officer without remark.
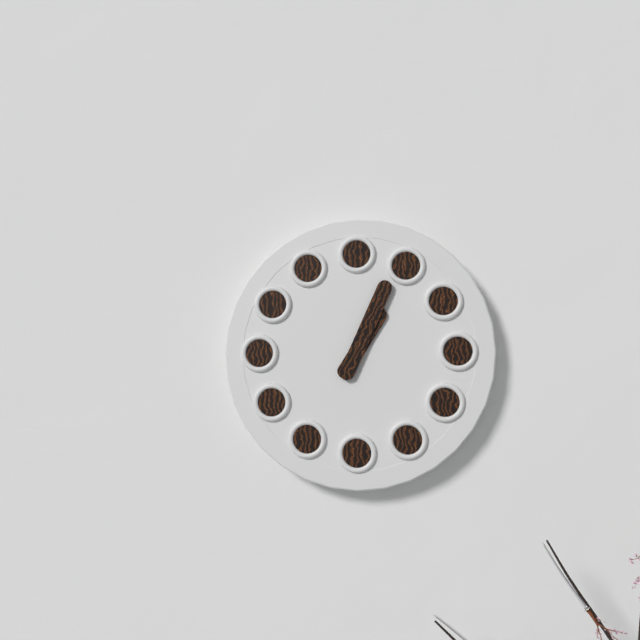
1:04
